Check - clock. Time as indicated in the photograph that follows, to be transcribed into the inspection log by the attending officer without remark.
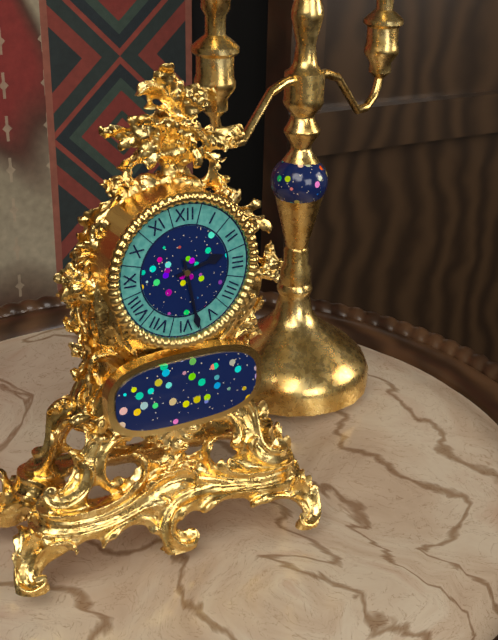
2:28
